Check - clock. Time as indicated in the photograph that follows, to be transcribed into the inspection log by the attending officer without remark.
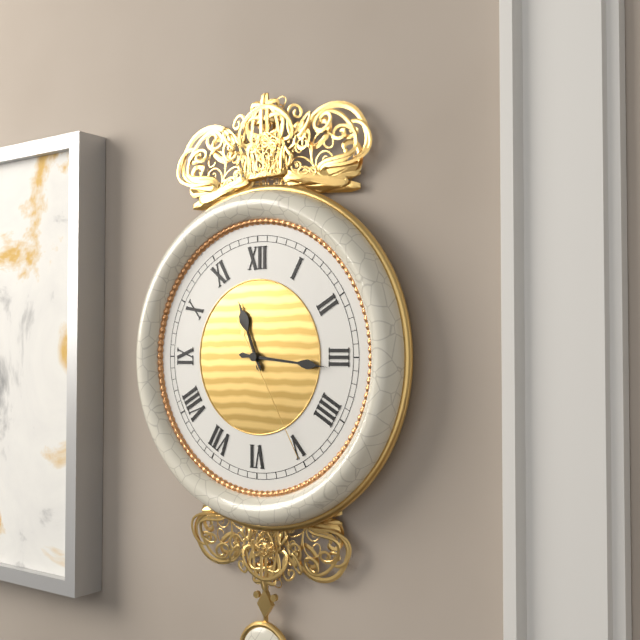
11:16:25
